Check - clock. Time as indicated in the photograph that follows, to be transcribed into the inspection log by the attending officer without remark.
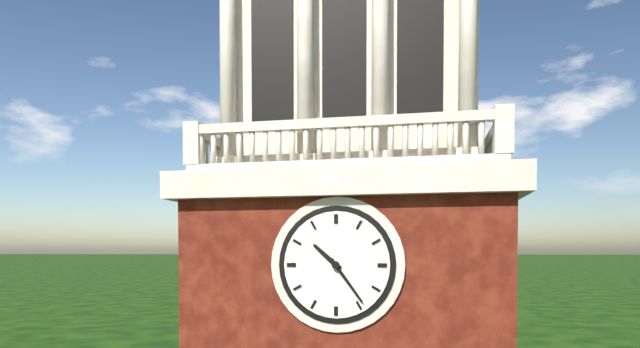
10:24
